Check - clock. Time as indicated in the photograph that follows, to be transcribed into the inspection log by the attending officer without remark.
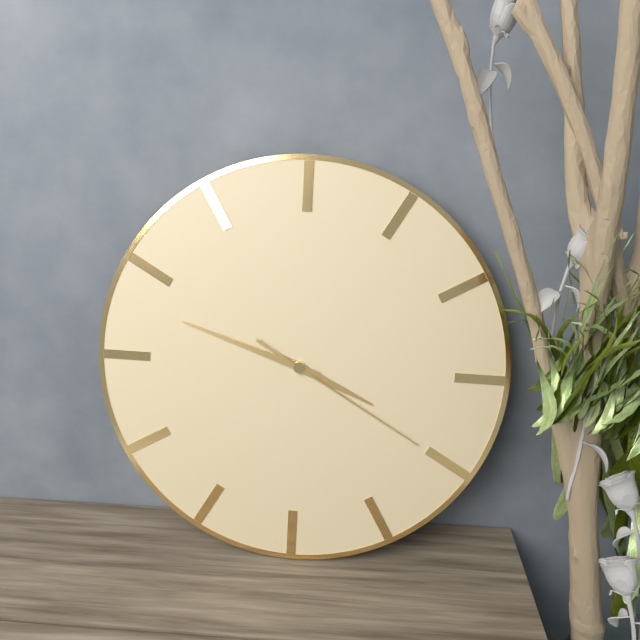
3:48:20
